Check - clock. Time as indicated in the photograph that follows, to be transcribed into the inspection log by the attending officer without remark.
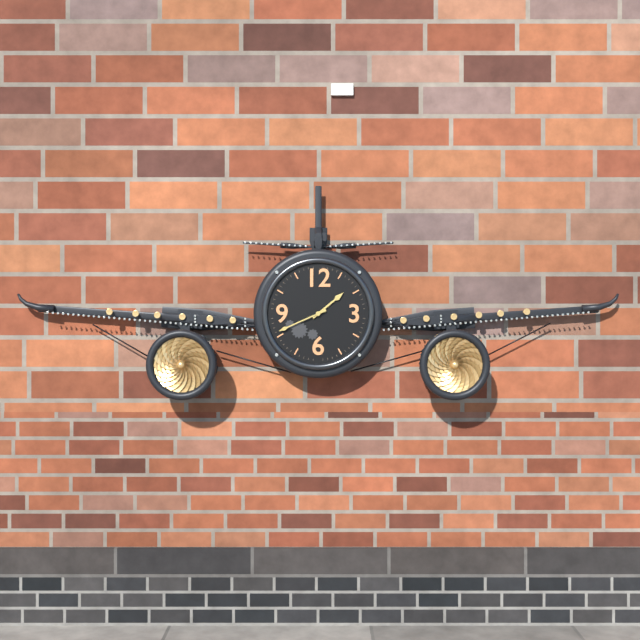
1:41
